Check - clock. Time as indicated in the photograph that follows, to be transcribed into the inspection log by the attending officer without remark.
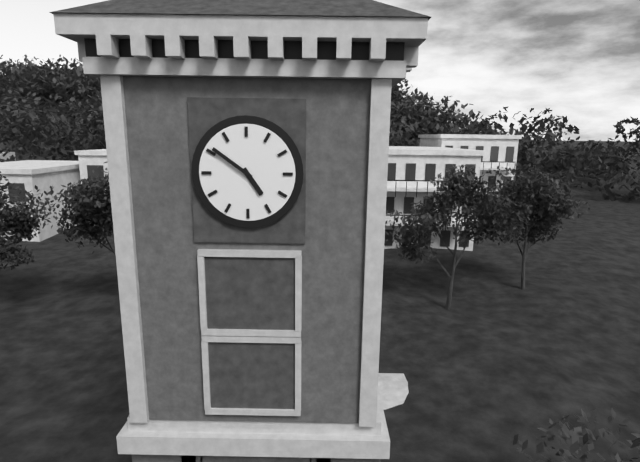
4:51
